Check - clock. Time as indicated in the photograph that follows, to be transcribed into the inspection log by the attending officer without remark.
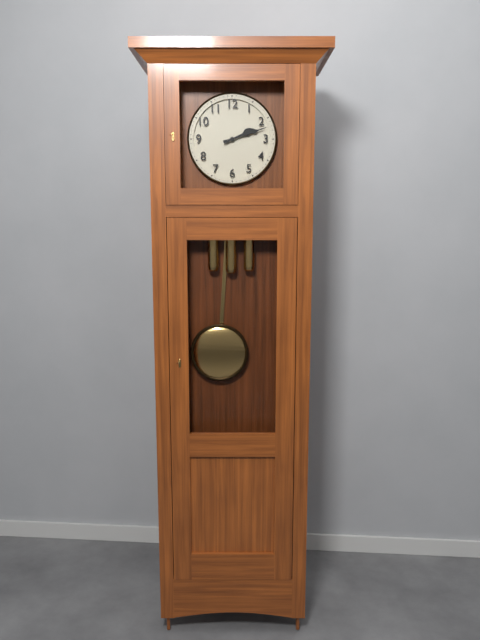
2:12
